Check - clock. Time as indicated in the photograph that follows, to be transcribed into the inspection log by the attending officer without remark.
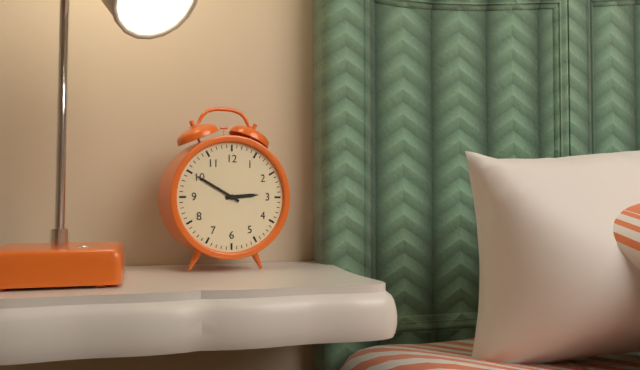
2:50
